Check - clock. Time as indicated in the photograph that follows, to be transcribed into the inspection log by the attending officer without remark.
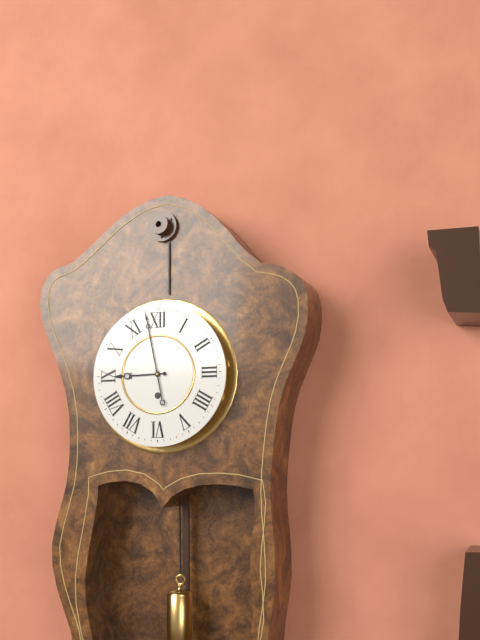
8:58
